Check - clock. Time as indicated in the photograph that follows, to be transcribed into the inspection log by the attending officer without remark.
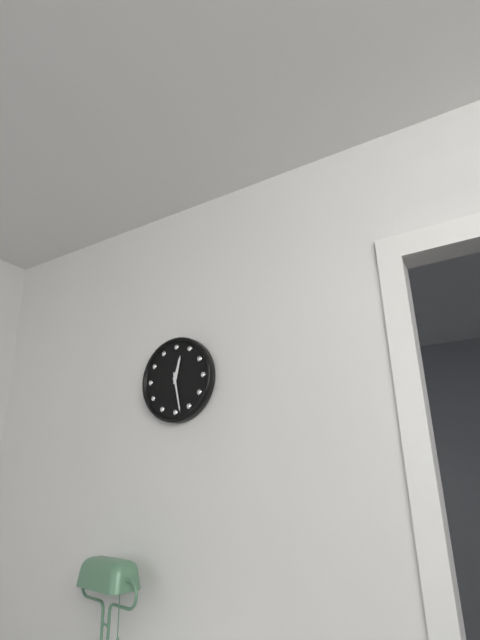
12:28
